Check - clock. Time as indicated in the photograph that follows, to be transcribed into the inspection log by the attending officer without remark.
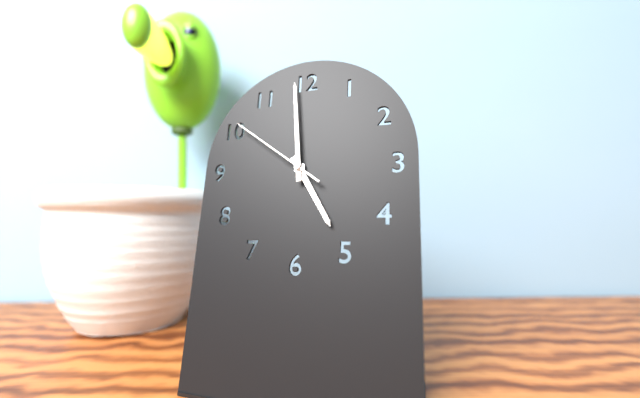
4:59:51
